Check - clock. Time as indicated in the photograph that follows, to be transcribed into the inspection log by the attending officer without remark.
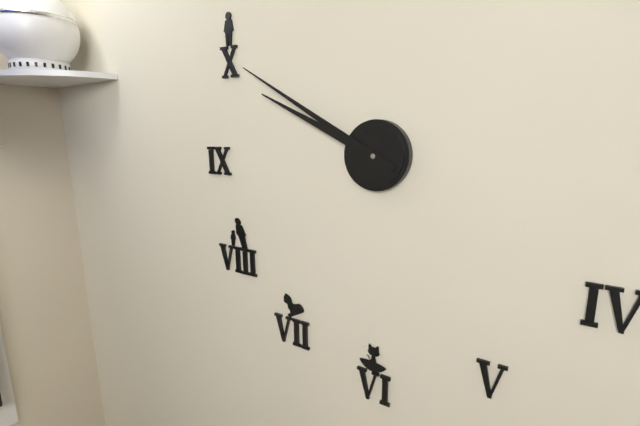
9:50
